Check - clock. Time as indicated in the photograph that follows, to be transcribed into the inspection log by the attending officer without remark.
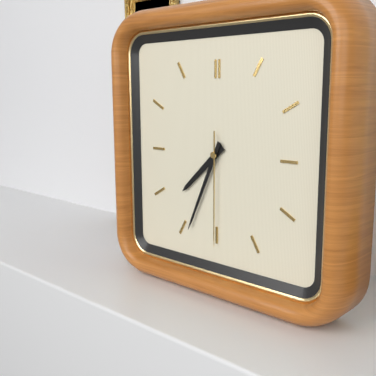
7:34:30
